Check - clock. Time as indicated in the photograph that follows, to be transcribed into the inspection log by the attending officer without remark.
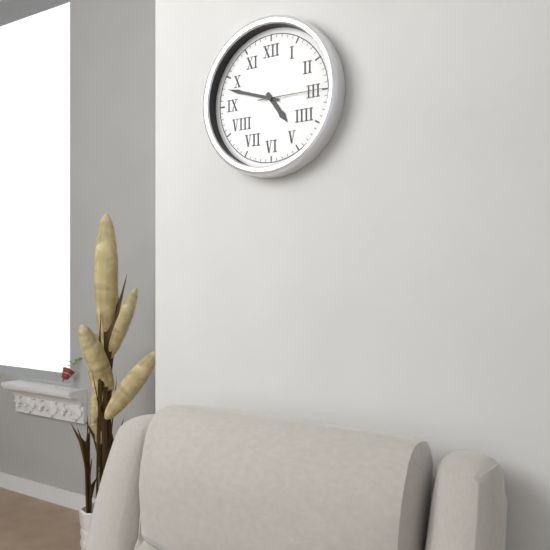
4:48:15
